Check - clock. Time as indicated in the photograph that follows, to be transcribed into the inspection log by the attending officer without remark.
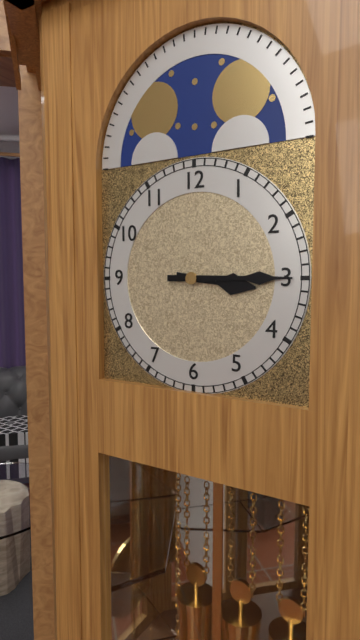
3:15
